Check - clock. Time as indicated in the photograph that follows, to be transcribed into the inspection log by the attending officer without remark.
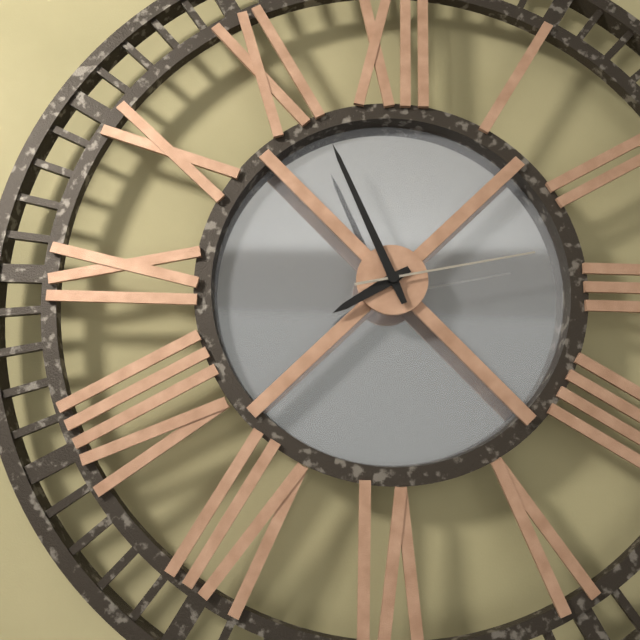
7:56:13
